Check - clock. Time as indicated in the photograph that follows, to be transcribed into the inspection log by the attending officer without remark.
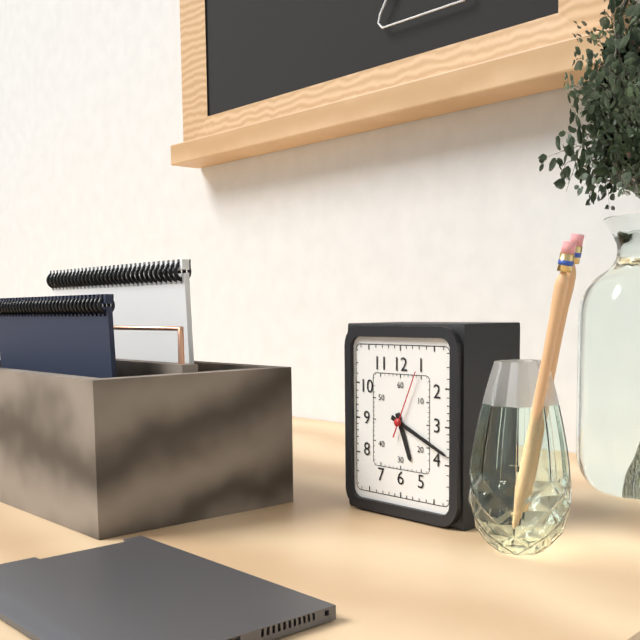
5:19:04
